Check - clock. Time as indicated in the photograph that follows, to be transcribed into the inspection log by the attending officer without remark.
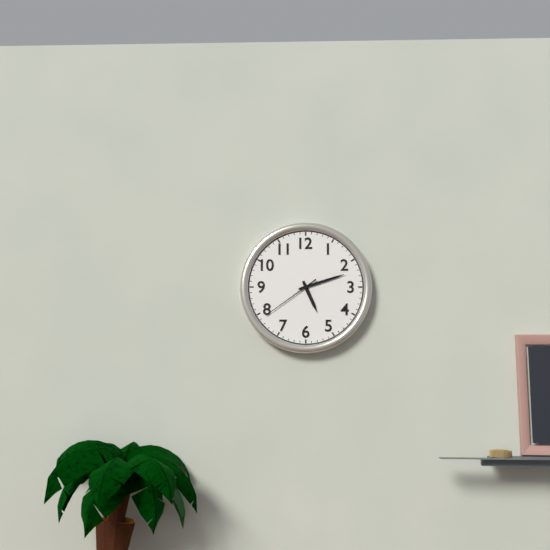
5:12:39
